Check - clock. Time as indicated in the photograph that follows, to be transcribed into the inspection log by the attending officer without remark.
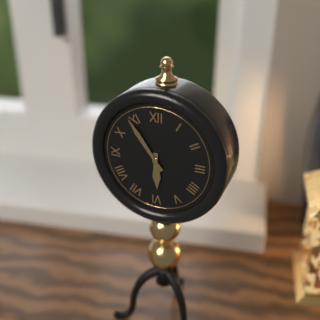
5:54
